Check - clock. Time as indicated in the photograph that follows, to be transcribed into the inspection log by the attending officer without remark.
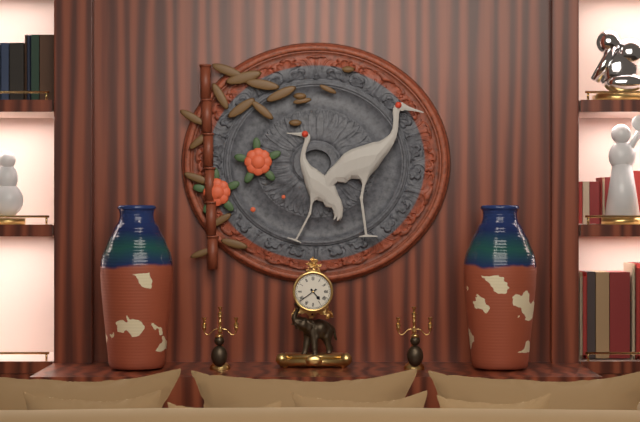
4:39
